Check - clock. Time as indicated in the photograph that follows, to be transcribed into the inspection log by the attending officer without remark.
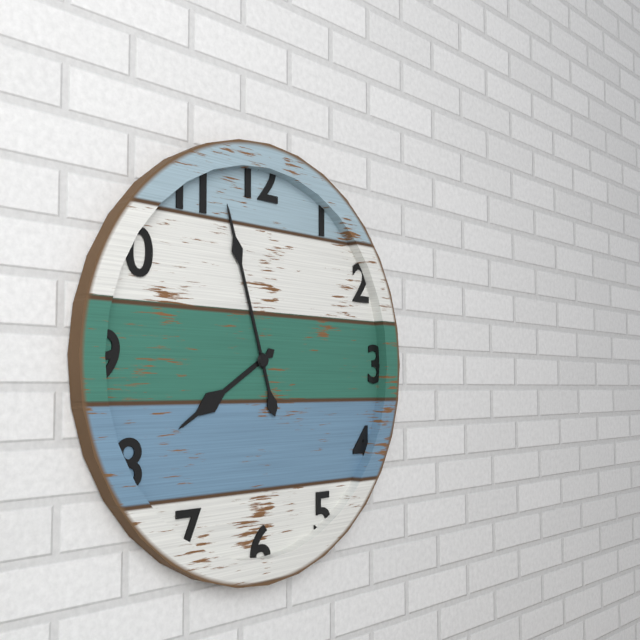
7:57
